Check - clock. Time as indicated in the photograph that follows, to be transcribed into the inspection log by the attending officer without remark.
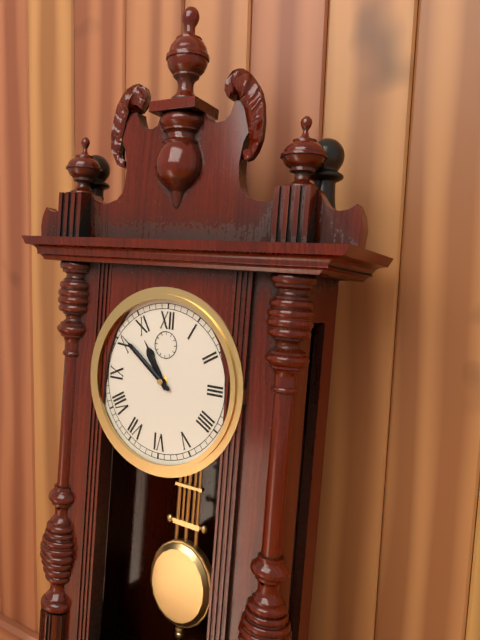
10:51
